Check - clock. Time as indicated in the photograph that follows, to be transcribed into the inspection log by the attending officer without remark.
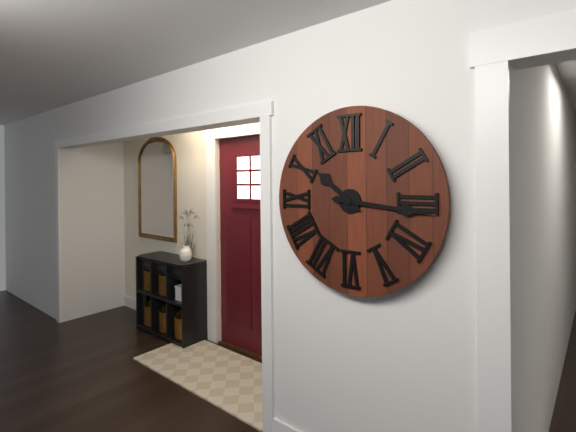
10:16
